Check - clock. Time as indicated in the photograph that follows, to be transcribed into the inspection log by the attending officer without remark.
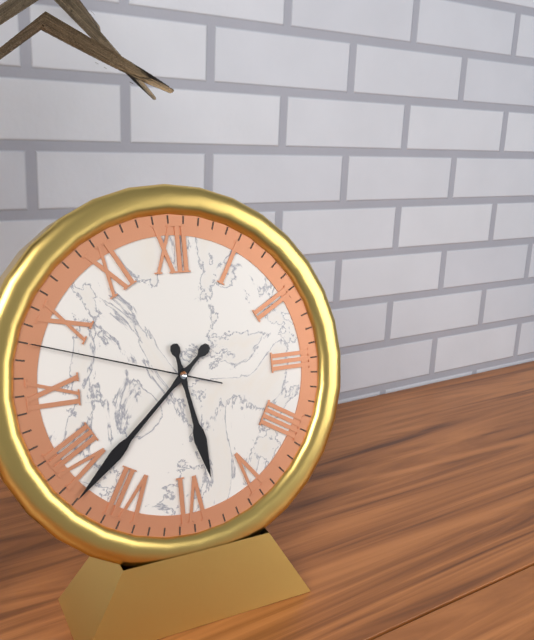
5:38:48
